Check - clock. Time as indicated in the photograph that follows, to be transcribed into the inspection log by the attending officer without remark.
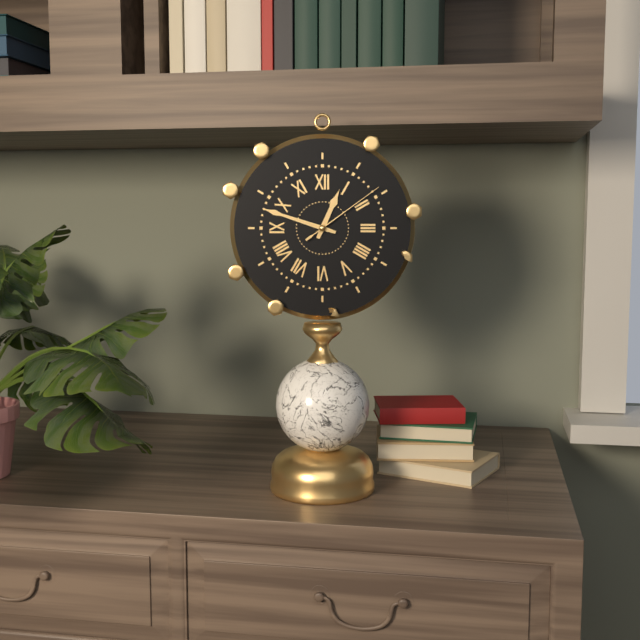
12:48:09
